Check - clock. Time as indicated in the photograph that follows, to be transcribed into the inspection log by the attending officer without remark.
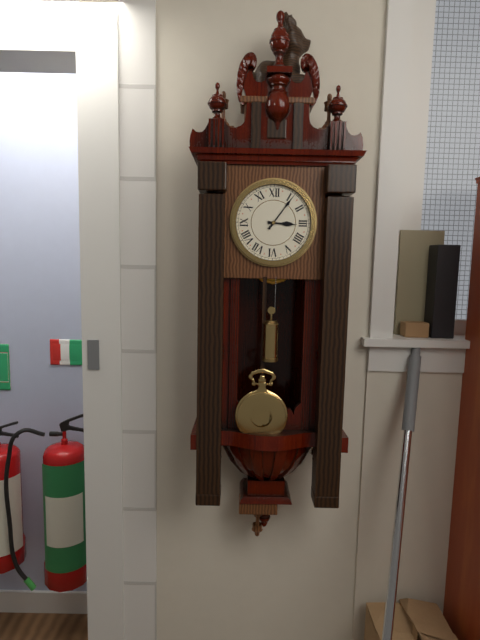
3:06
